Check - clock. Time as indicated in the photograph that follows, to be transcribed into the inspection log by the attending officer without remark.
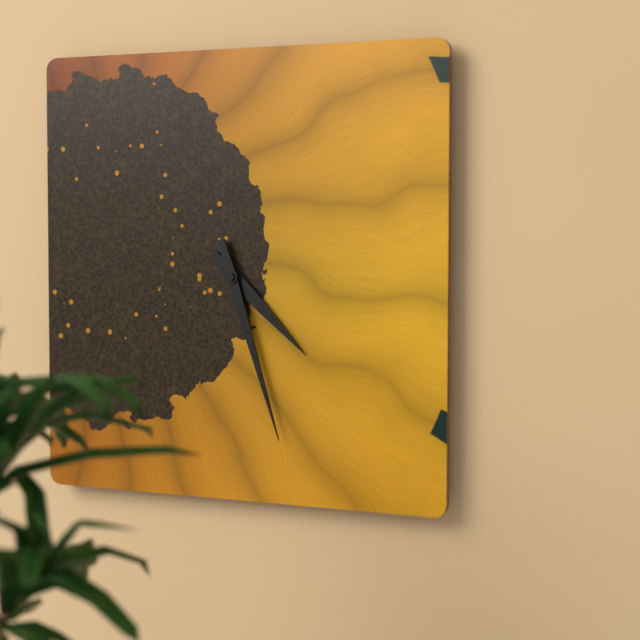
4:27
